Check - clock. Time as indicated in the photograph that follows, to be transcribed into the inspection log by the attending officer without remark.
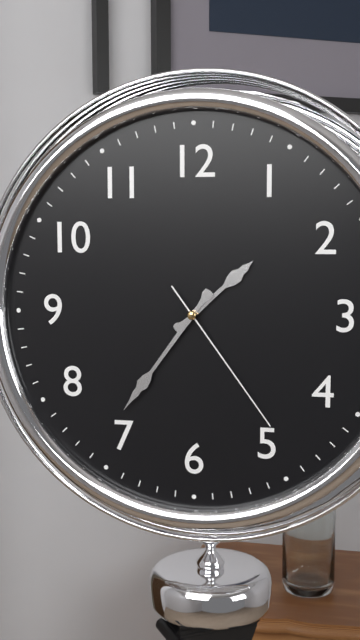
1:36:24
